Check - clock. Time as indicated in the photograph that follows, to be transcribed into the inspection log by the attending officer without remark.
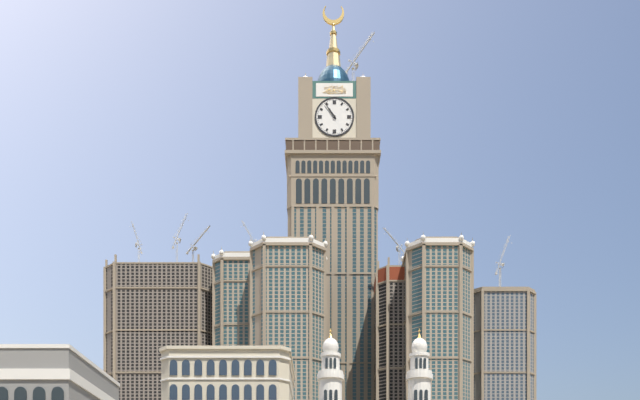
10:54
